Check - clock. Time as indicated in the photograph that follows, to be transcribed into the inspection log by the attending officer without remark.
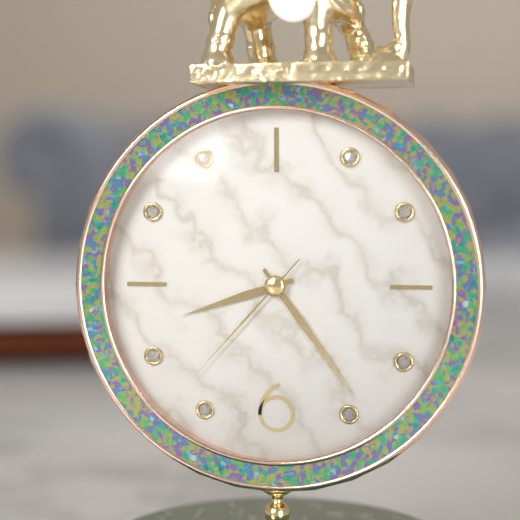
8:24:37
